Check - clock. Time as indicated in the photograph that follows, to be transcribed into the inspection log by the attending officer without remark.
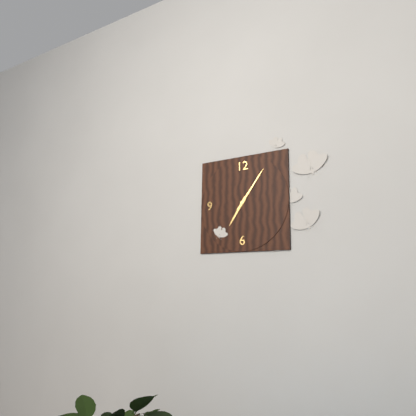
7:06
